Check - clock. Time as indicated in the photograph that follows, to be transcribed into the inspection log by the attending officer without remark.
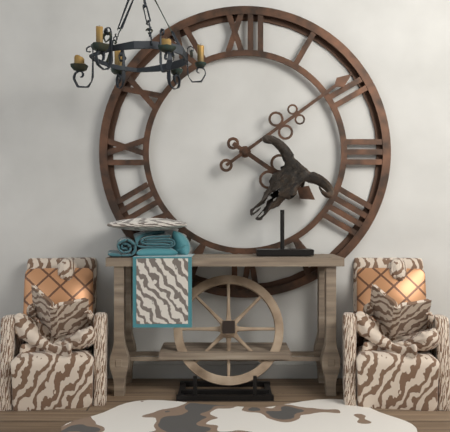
4:09
